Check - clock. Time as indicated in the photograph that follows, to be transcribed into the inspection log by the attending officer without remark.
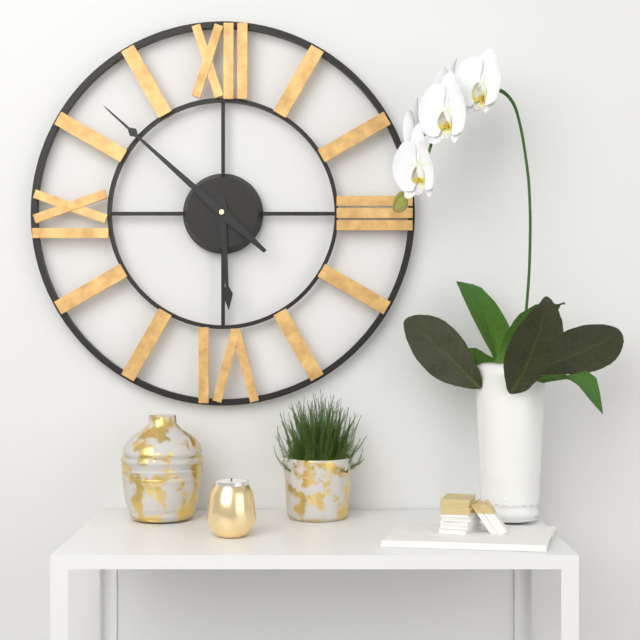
5:52
